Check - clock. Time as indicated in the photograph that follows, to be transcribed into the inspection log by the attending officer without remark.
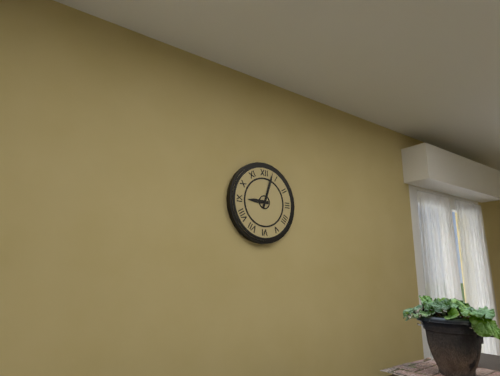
9:03
